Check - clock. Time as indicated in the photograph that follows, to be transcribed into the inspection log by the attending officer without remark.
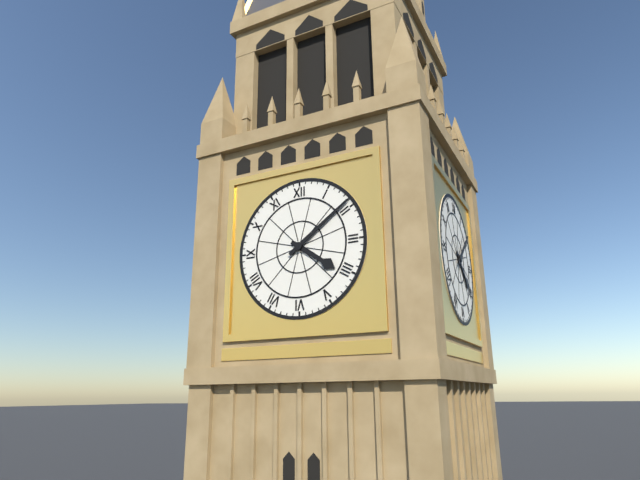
4:09
